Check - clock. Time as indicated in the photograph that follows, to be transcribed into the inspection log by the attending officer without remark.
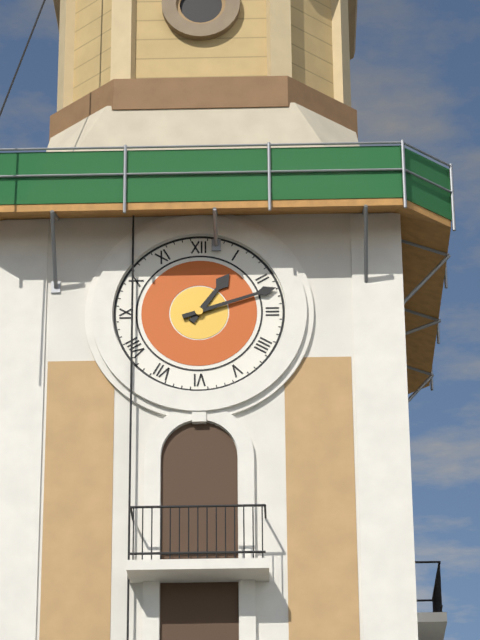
1:12
